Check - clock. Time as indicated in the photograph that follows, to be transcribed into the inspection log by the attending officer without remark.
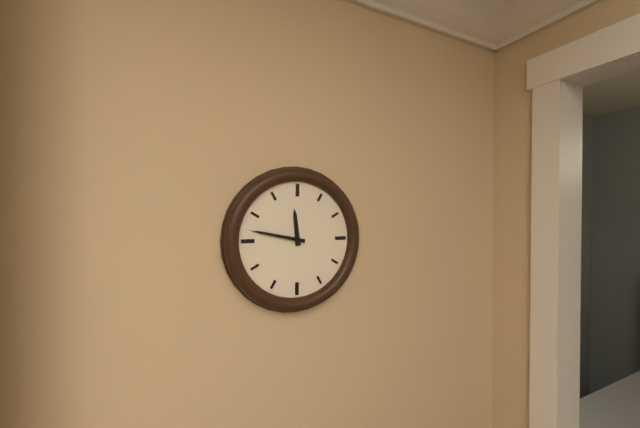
11:47
